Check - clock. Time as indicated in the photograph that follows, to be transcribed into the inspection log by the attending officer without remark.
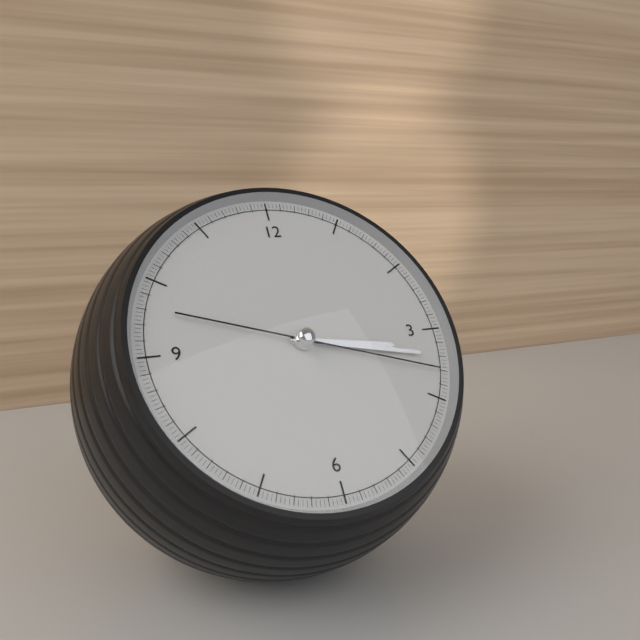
3:17:18
